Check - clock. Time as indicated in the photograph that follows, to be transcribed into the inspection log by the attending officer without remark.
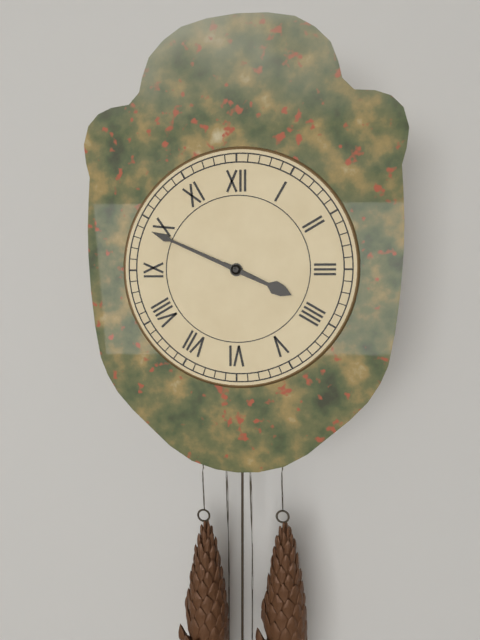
3:49
